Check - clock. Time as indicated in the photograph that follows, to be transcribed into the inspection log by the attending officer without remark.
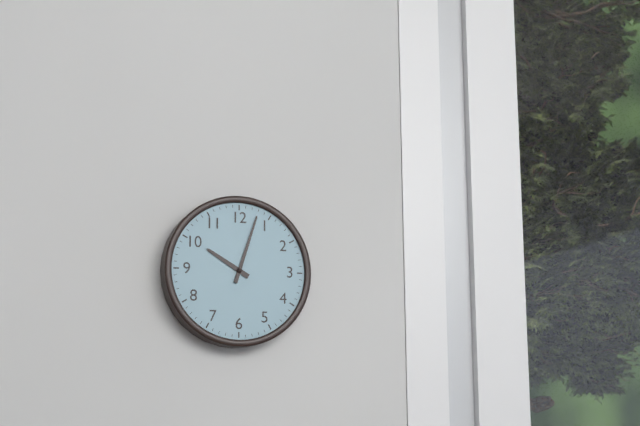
10:03
